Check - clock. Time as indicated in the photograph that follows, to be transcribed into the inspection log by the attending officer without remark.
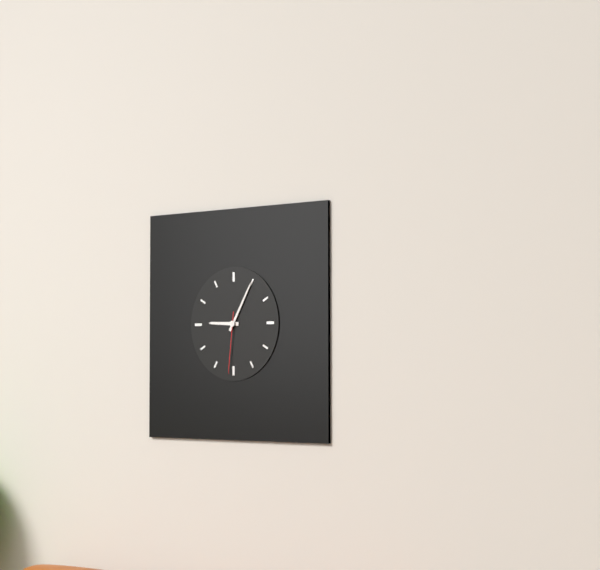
9:05:31
